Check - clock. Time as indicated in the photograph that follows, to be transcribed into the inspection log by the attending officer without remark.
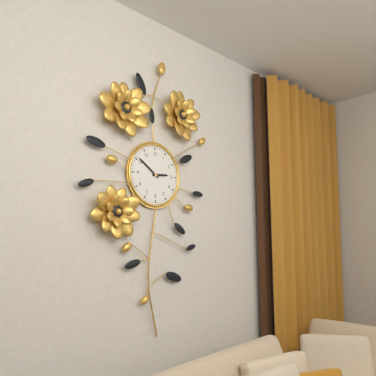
2:51
